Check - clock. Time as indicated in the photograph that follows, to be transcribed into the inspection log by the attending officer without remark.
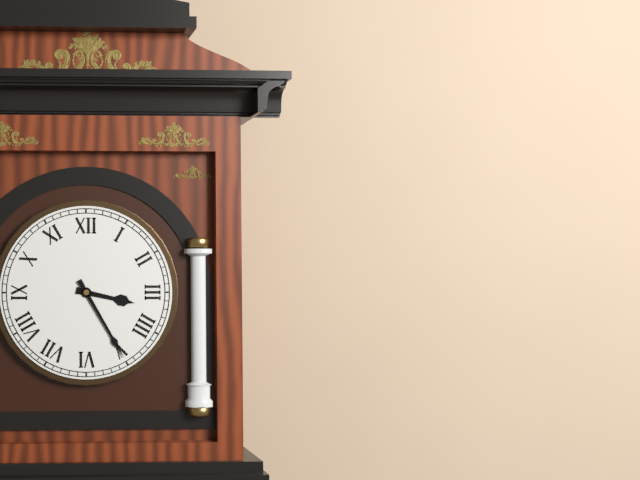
3:25
